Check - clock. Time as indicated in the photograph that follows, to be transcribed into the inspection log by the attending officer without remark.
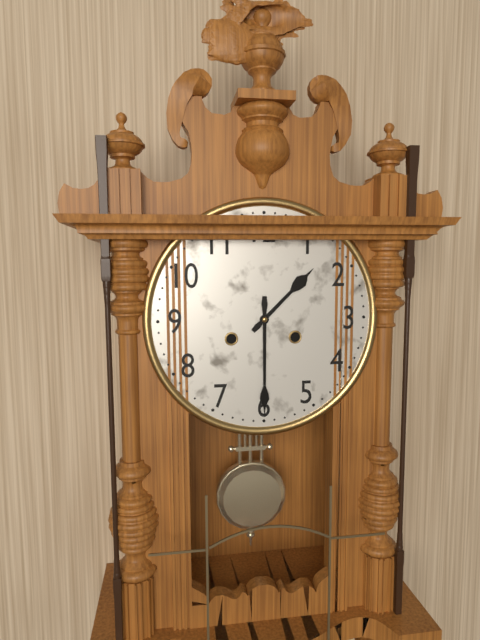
1:30
